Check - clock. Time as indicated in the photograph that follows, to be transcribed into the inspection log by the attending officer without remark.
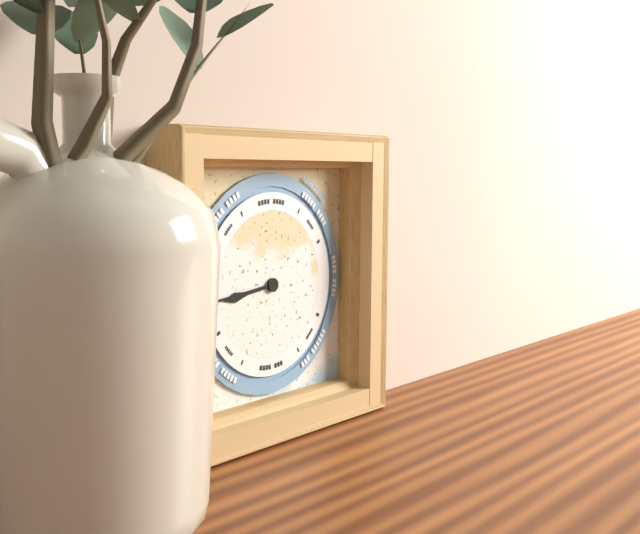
8:44
